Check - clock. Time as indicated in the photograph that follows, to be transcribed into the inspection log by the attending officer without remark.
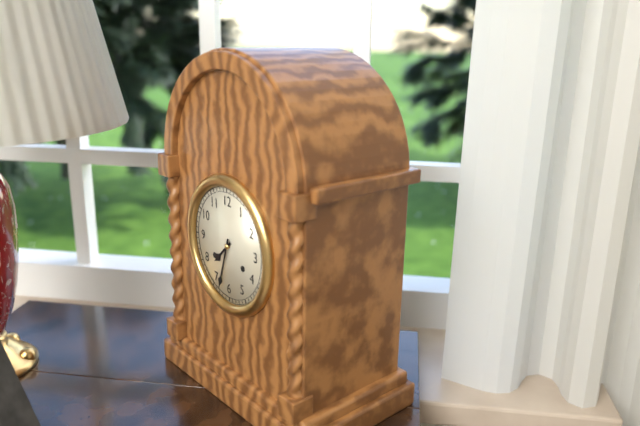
7:33
